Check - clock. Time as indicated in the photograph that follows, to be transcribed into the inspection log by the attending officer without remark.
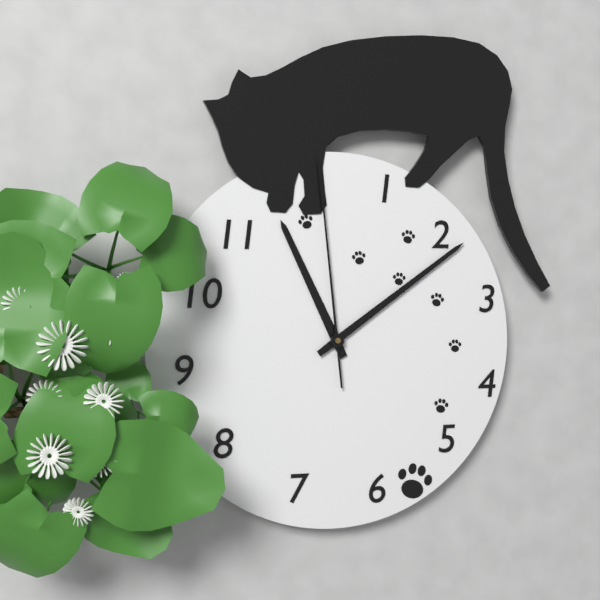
11:09:59
